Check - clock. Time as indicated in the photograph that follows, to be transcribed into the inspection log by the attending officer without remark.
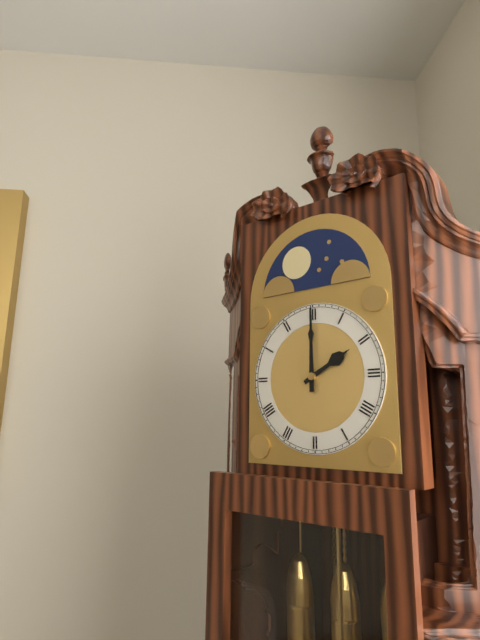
2:00
